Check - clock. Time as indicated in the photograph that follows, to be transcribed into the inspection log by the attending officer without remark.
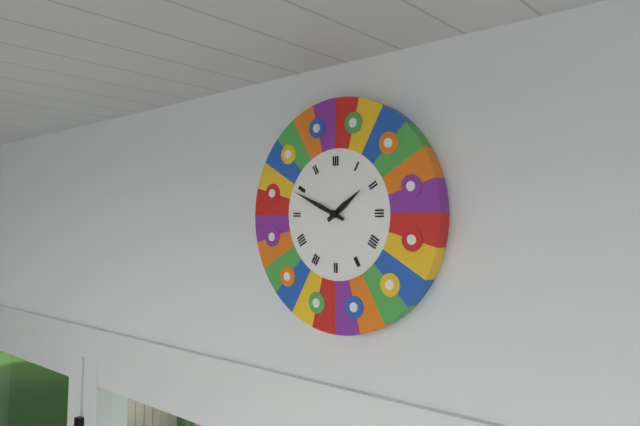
1:49
